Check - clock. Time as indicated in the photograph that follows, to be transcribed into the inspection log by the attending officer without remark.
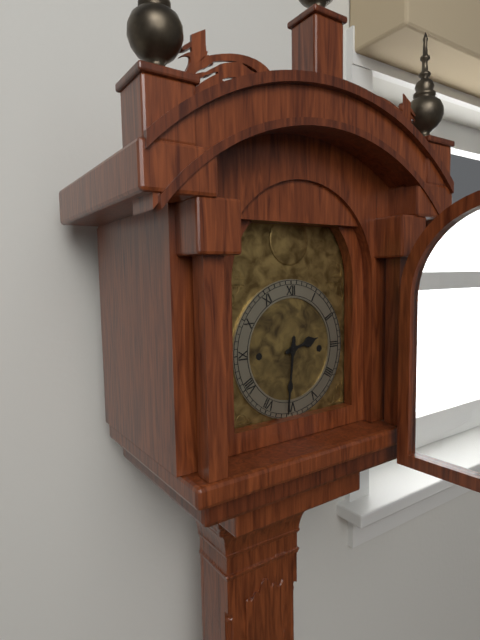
2:31
